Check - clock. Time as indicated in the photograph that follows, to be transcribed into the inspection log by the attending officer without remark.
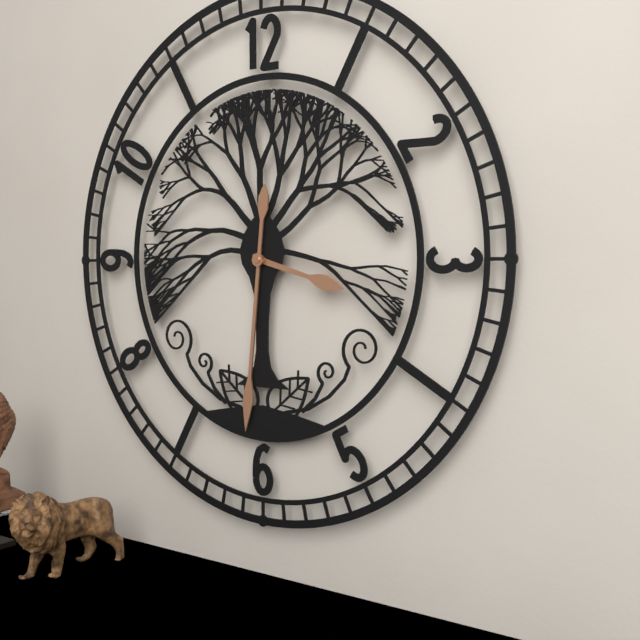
3:31
